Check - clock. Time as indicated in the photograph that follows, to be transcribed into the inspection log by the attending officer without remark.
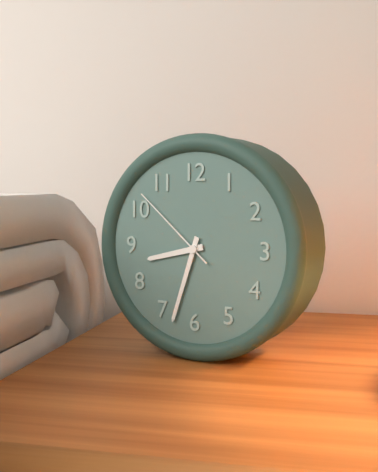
8:33:52
